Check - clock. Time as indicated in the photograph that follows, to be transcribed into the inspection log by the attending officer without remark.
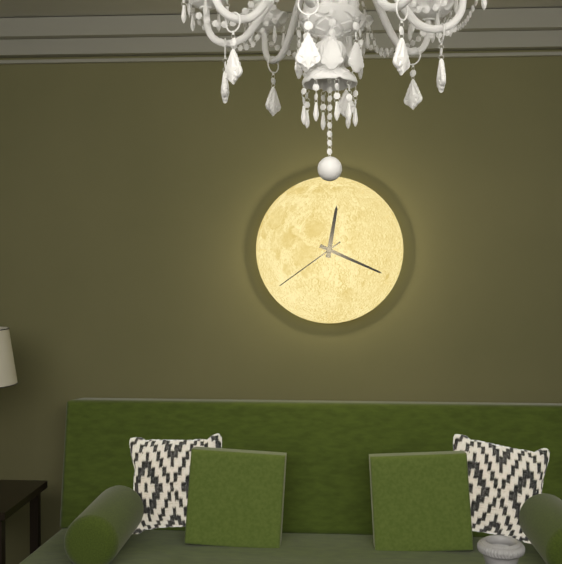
12:19:39
